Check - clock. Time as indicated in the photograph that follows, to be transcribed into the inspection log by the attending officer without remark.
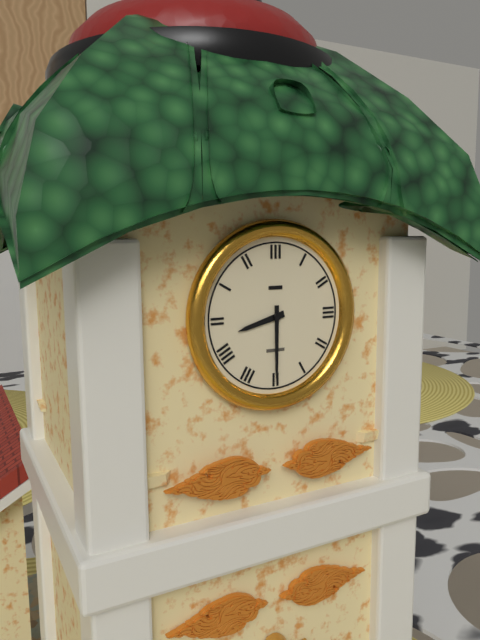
8:30
